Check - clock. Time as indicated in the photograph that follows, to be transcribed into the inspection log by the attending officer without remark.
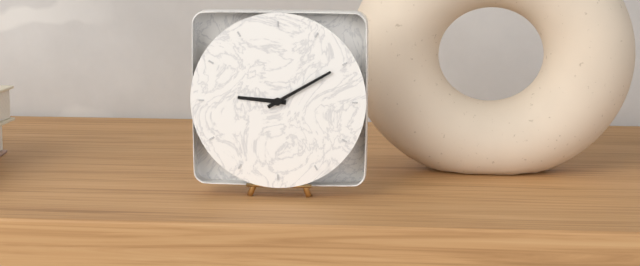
9:10
